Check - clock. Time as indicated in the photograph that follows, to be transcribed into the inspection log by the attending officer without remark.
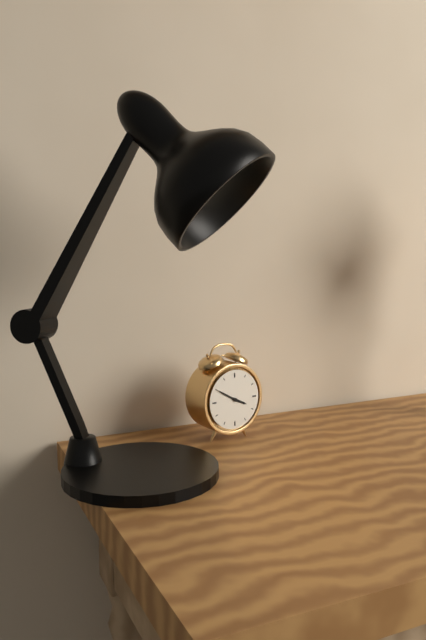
3:50
